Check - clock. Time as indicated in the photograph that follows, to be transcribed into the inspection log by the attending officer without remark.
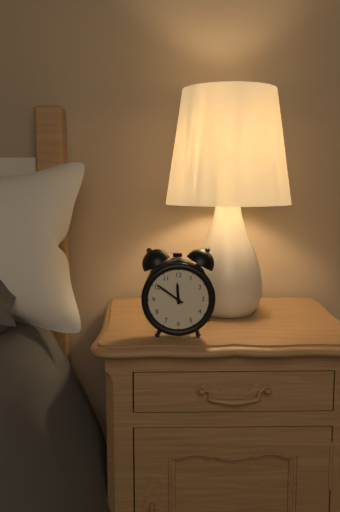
11:51
